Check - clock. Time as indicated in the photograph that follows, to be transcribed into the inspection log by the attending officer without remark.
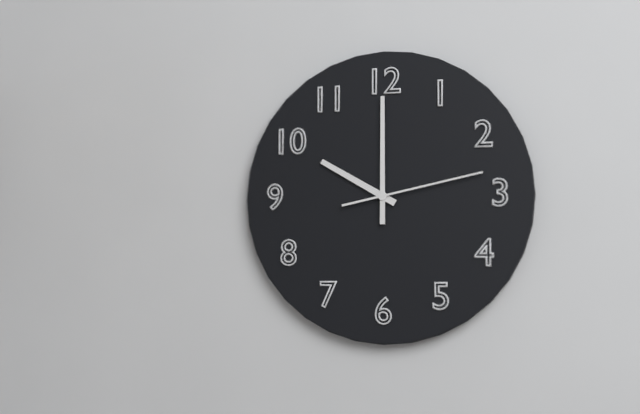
10:00:13
